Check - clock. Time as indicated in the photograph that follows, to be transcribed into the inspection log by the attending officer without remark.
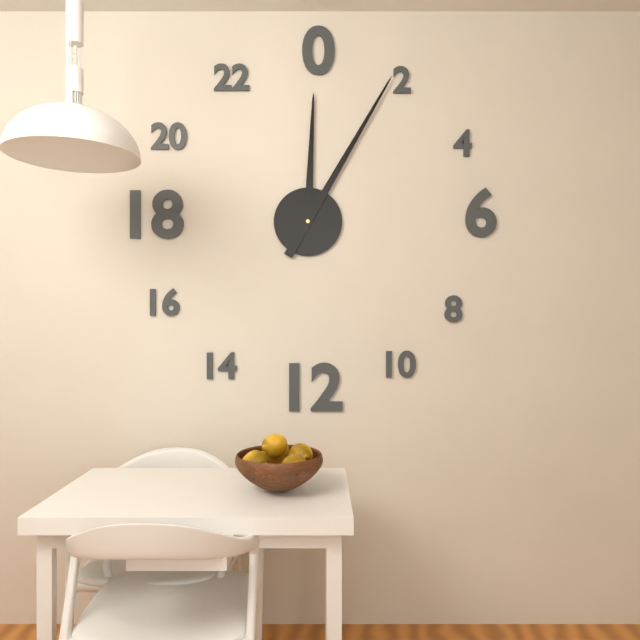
12:05
